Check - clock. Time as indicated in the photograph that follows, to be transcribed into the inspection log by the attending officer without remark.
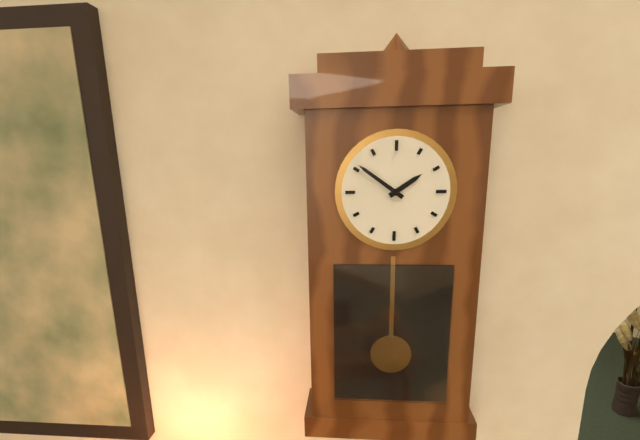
1:51
